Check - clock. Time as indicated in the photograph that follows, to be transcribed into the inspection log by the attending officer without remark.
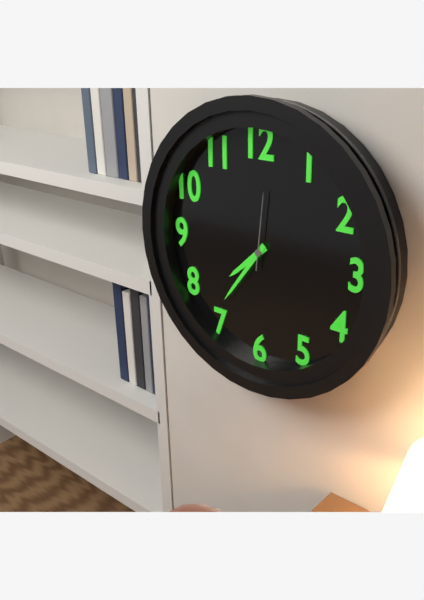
7:36:01
